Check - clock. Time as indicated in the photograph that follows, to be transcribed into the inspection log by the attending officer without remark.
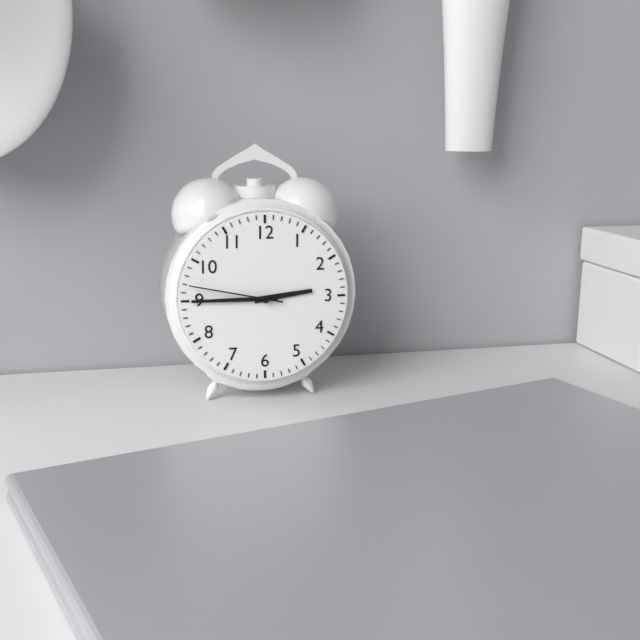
2:45:47
